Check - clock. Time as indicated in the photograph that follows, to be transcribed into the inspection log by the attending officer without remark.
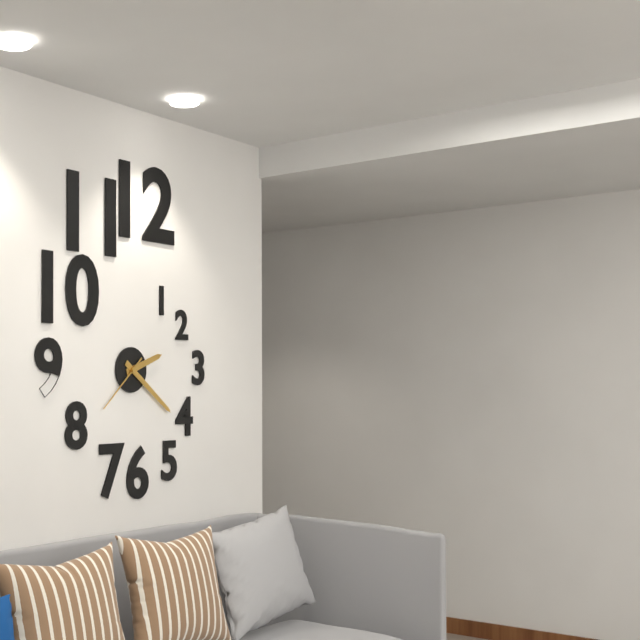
2:21:38
